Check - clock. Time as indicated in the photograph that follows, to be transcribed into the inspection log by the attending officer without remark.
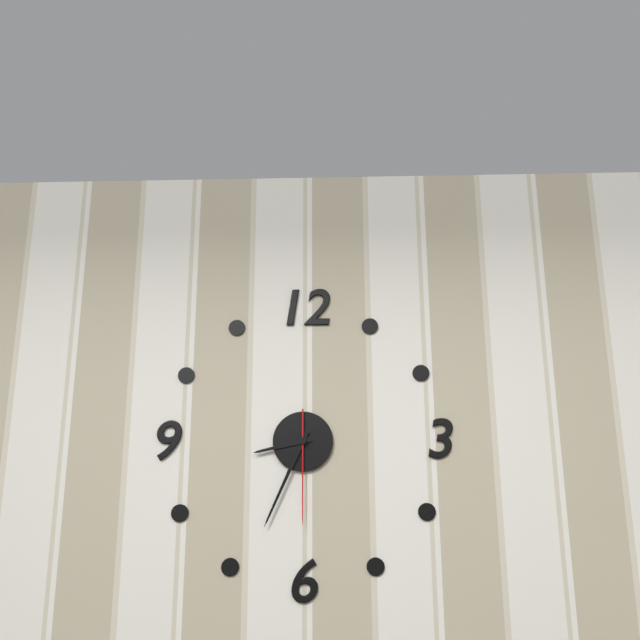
8:34:30
